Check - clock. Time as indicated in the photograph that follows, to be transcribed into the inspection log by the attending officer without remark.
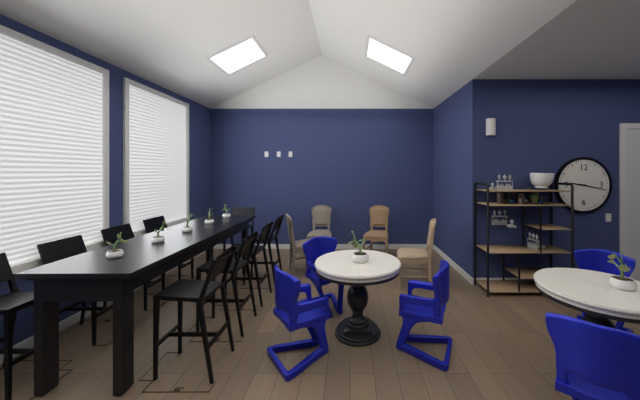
9:17
